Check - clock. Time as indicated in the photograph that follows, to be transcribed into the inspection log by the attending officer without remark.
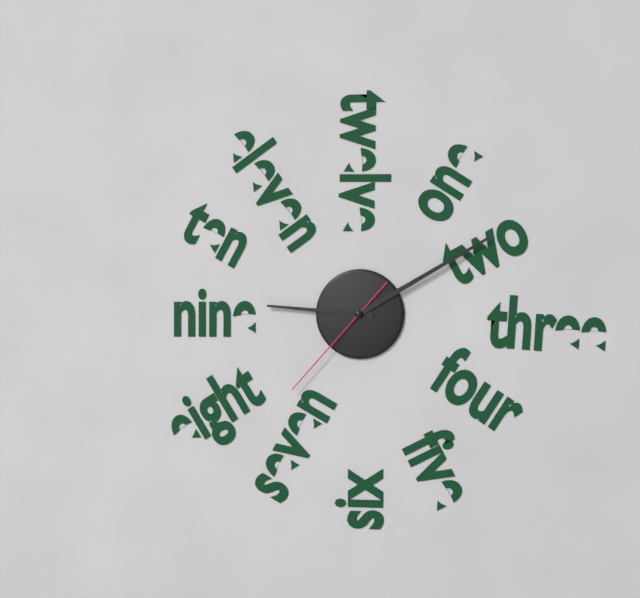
9:10:37
